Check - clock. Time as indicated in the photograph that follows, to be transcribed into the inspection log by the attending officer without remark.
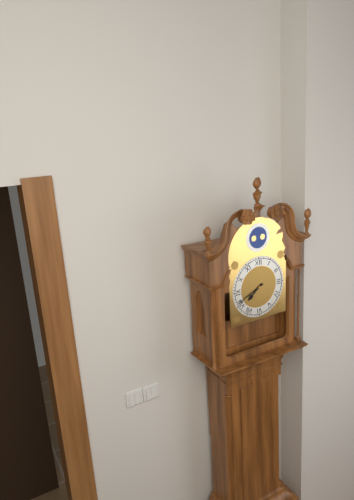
7:41
